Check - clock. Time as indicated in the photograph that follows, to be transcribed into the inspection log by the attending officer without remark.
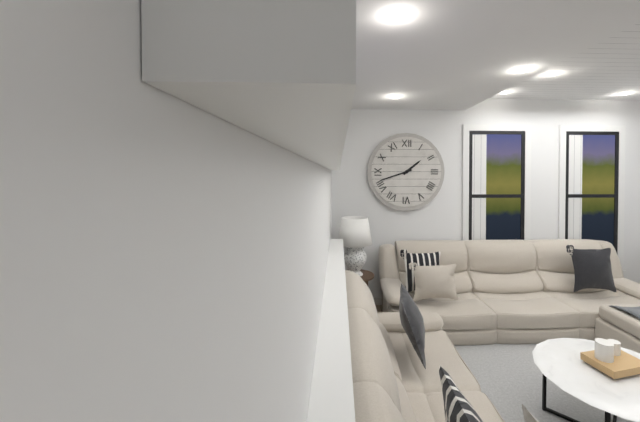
1:42
